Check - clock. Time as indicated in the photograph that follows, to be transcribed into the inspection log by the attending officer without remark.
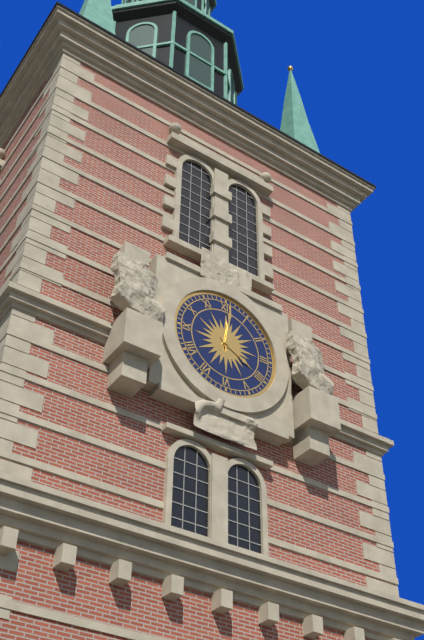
4:01
